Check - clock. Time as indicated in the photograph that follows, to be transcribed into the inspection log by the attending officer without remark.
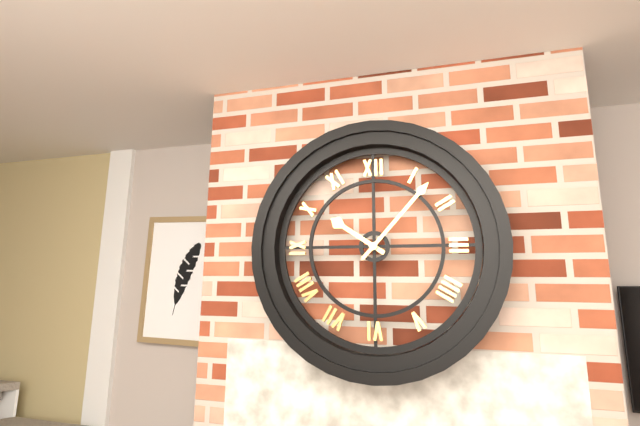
10:07
